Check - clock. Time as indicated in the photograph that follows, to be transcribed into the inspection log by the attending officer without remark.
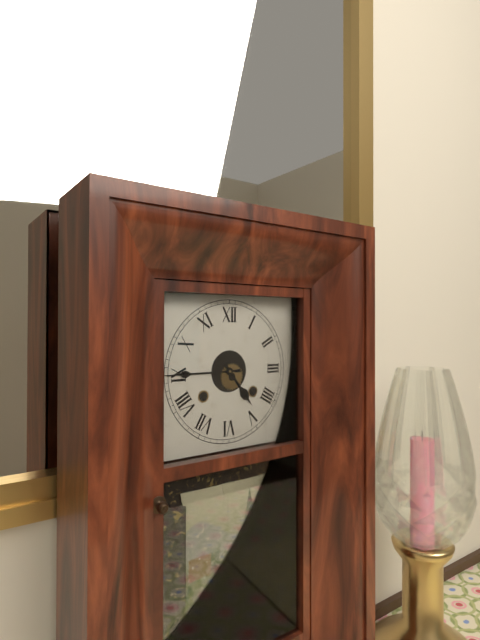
4:45
